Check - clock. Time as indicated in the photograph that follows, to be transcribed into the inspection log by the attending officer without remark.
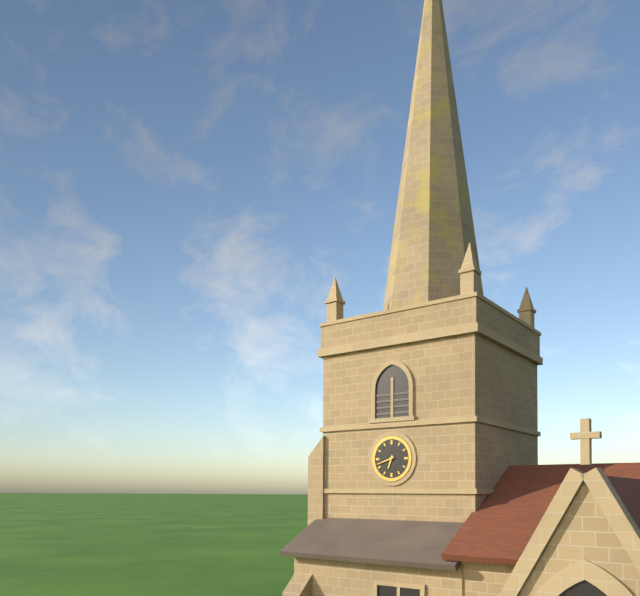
6:42
